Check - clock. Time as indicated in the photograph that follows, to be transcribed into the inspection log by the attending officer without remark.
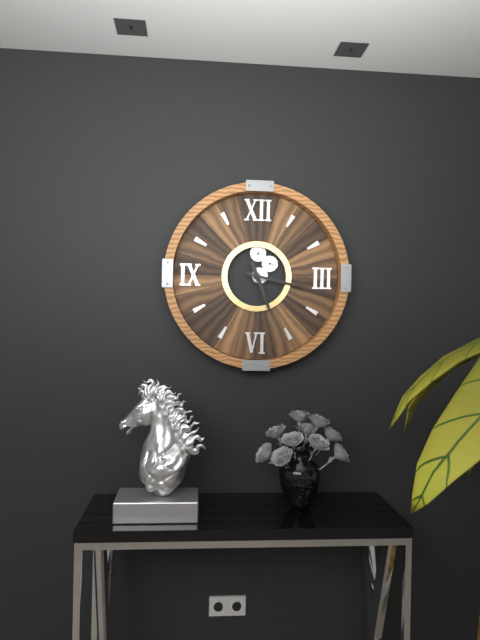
5:17
